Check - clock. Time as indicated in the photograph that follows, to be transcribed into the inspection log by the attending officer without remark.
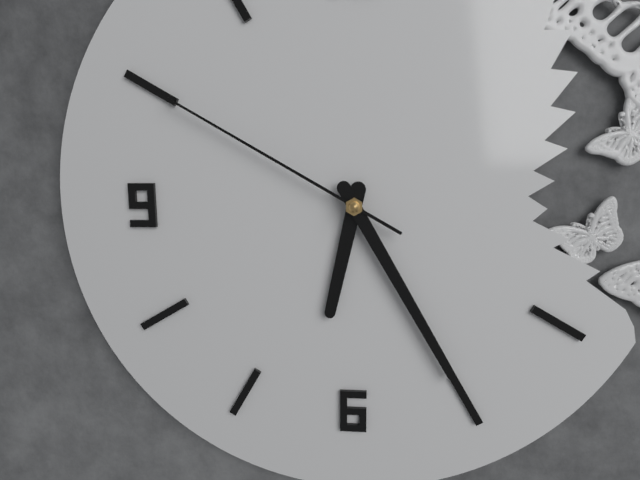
6:25:50
